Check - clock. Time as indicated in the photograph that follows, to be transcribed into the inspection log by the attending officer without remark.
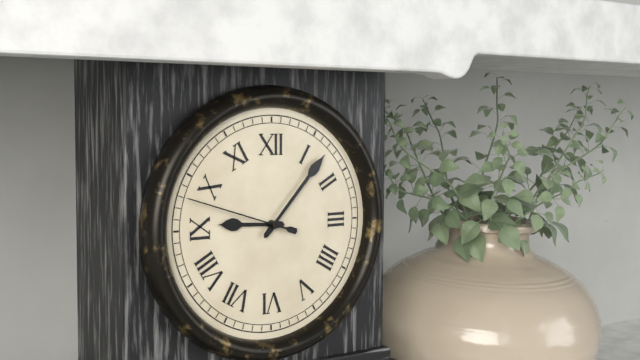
9:07:48
